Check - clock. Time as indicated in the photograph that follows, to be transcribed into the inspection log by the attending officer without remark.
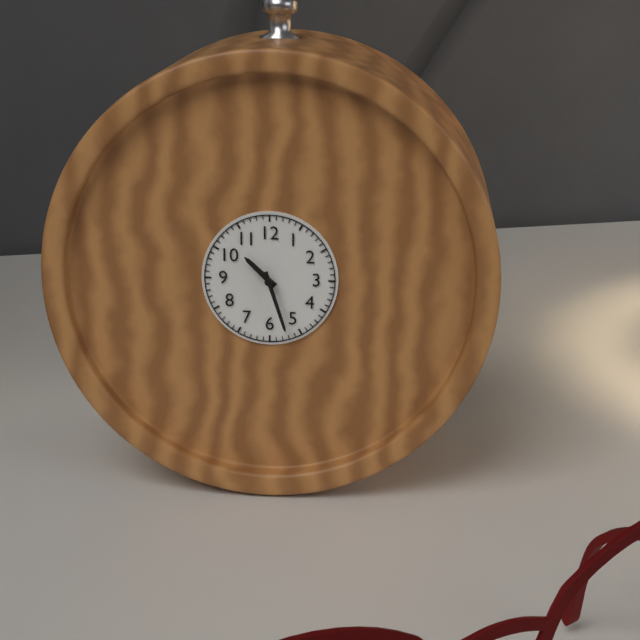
10:27
